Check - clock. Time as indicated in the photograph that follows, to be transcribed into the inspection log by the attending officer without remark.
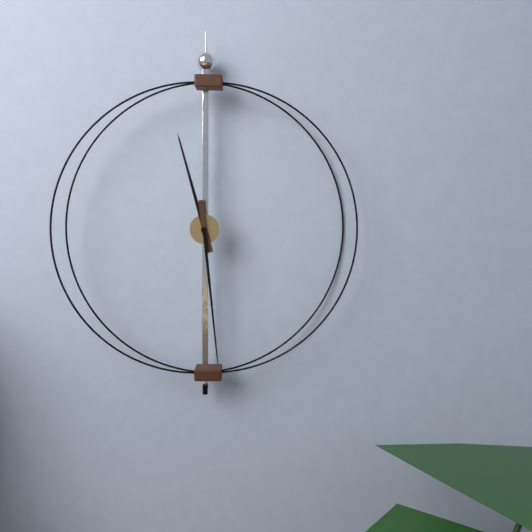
11:29
